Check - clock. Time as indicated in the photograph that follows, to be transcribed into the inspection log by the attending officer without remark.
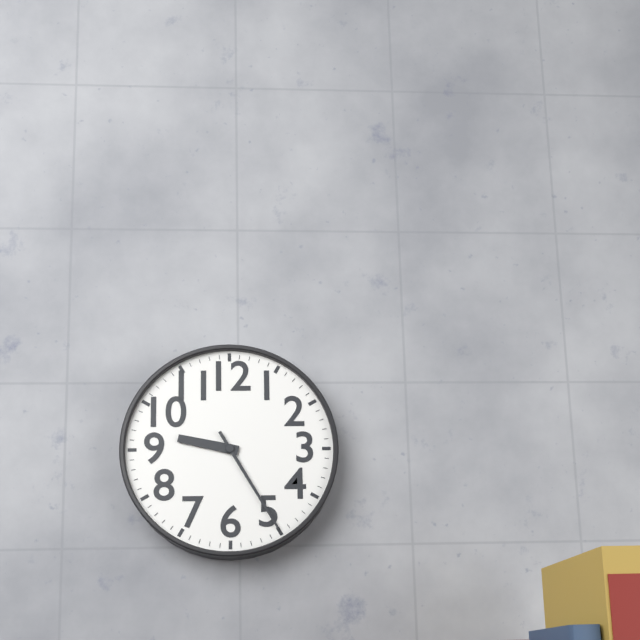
9:25
